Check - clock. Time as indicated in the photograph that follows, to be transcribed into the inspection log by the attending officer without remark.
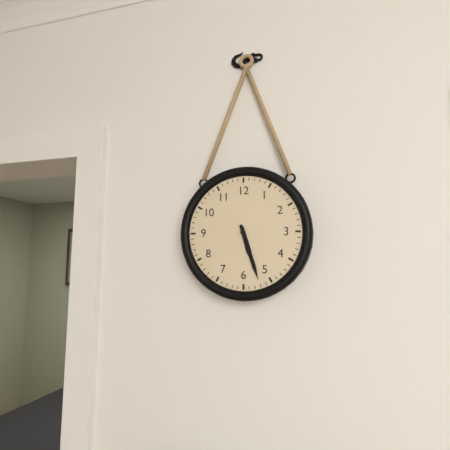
5:27
